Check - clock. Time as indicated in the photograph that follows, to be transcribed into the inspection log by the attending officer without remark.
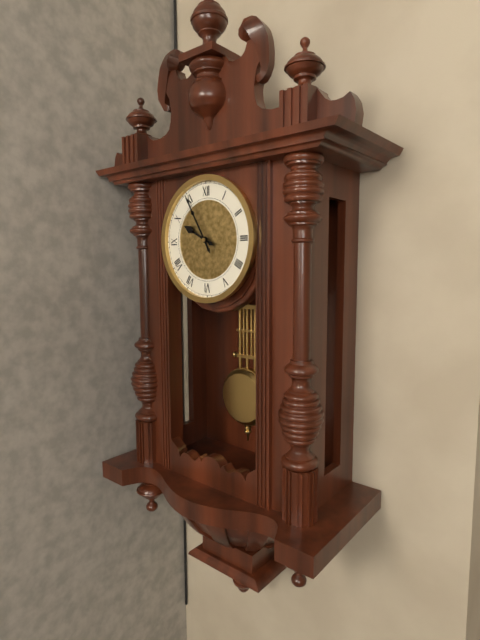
9:55
